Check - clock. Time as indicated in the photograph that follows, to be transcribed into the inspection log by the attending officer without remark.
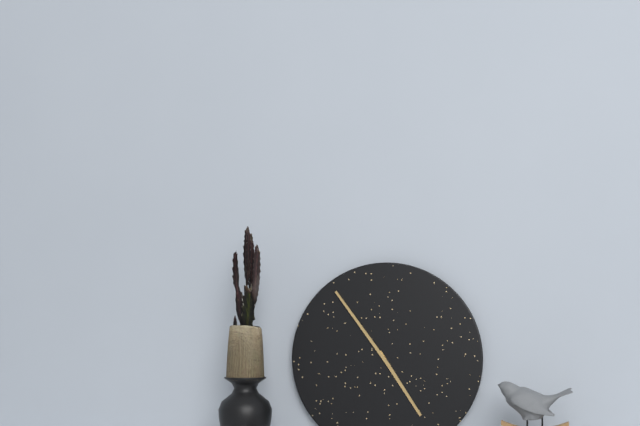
4:54
